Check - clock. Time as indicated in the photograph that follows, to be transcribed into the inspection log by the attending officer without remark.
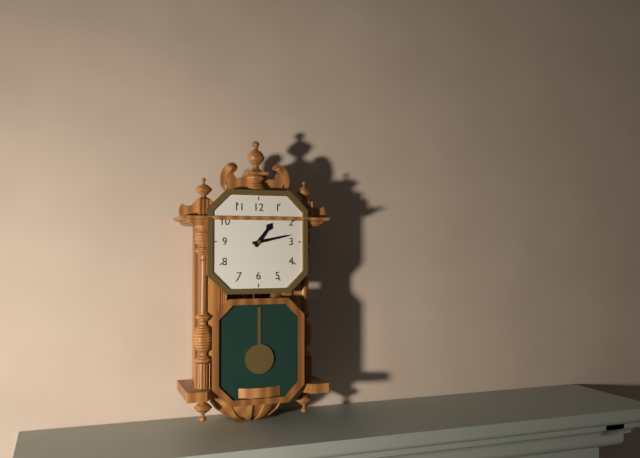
1:13
